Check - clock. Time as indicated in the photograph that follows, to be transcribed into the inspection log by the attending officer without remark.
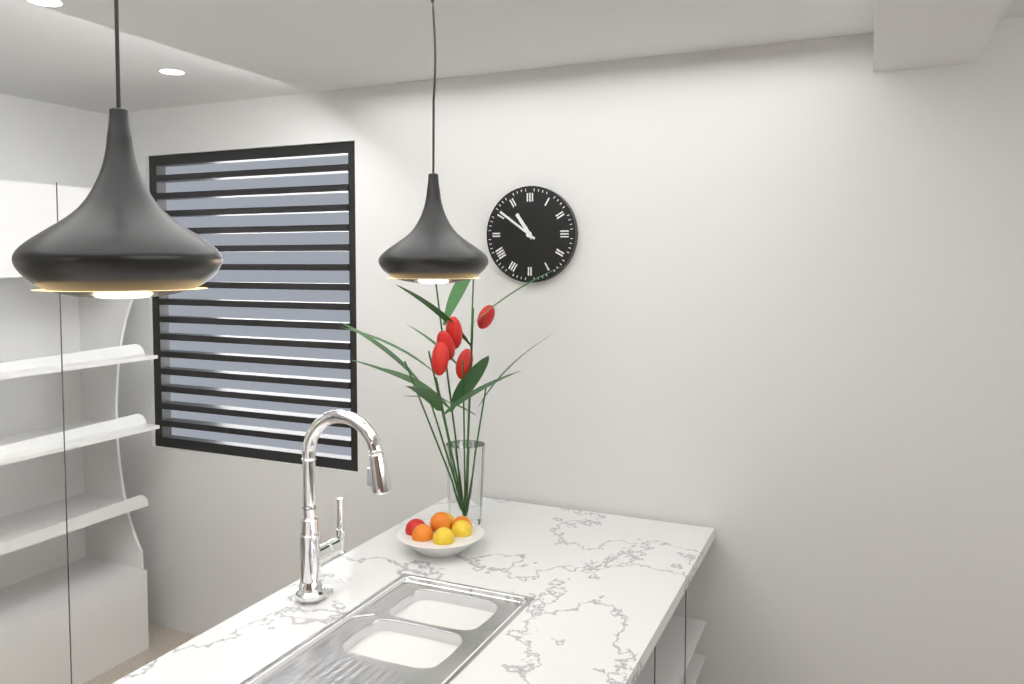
10:51
